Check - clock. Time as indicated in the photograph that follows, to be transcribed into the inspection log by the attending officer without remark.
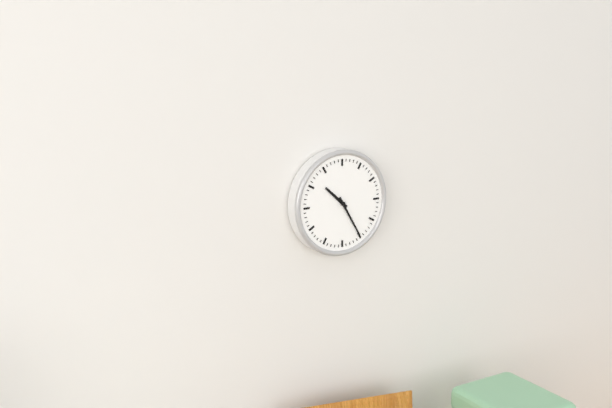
10:25
